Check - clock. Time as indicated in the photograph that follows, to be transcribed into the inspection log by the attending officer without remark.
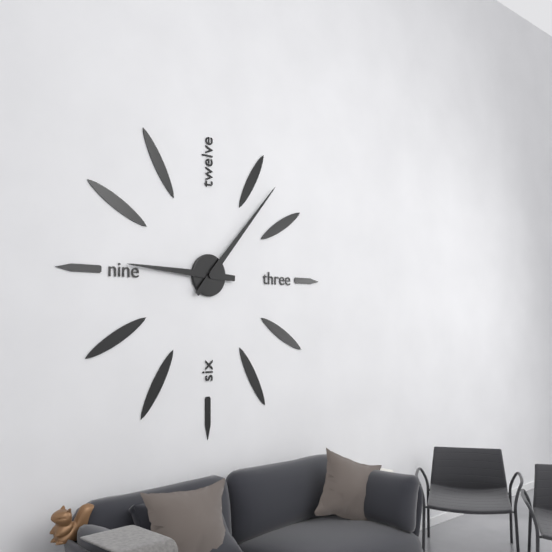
9:07
